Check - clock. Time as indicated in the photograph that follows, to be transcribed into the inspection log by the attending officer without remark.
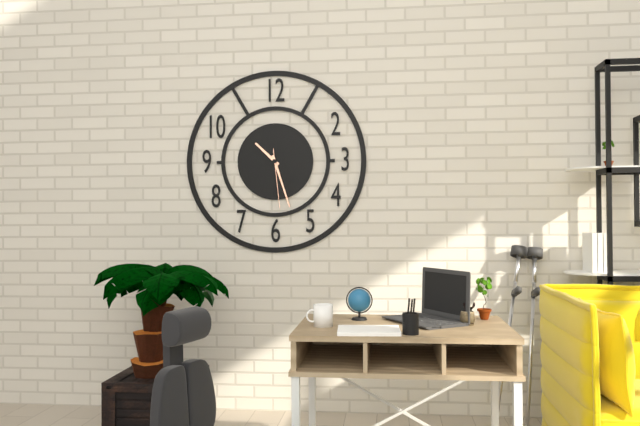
10:27:29
